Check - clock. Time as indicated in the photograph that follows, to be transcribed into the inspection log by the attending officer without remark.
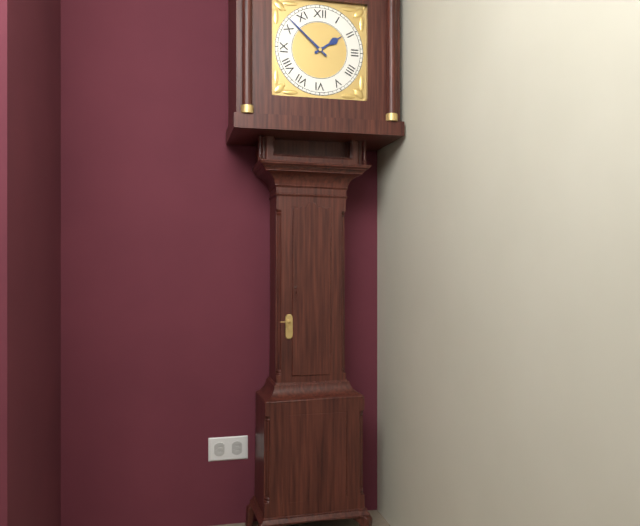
1:52
